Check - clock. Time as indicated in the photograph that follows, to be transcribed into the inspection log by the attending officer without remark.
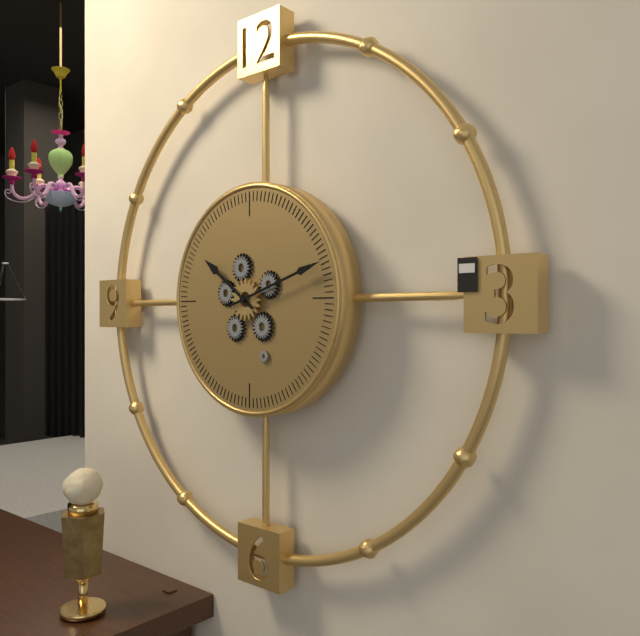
10:12
